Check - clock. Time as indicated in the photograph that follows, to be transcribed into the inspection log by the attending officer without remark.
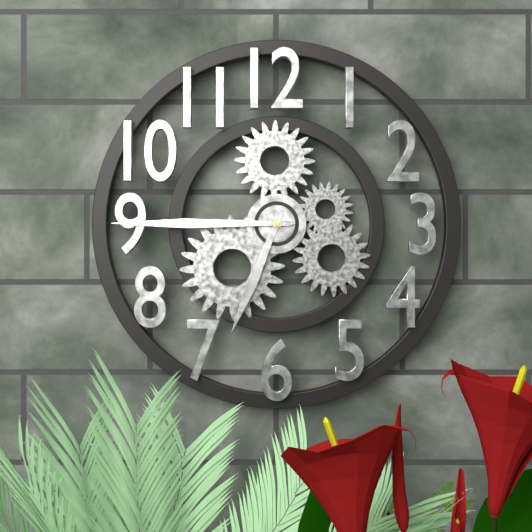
6:45
